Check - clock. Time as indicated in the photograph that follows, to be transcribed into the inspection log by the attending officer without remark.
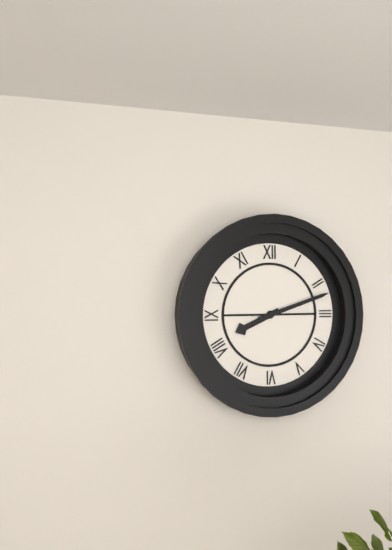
8:12
